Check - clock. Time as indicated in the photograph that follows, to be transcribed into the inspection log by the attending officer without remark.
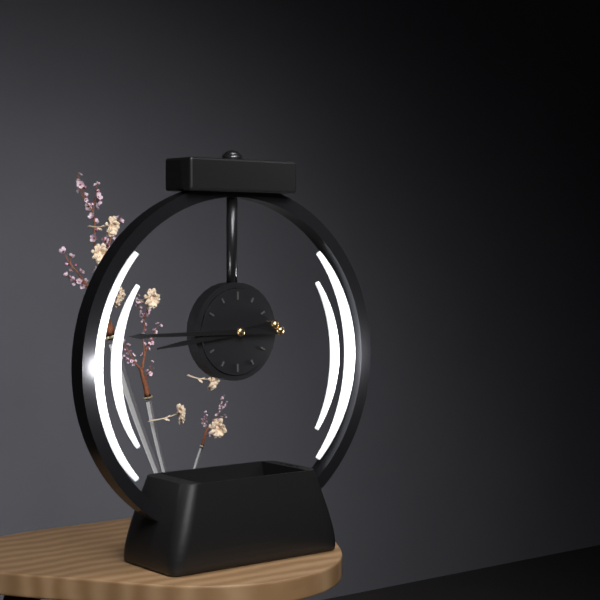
8:45
